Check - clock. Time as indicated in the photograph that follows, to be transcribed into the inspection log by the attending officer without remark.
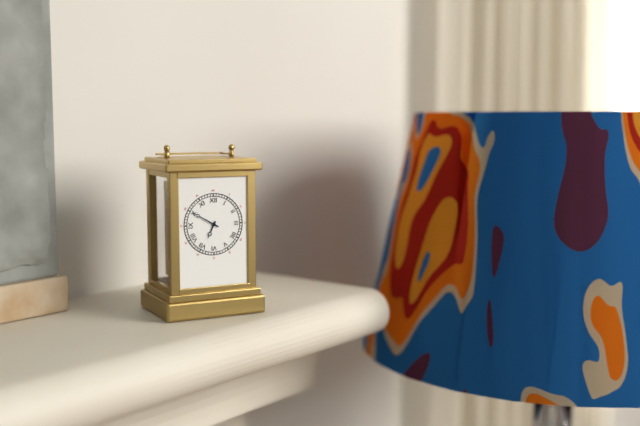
6:50
